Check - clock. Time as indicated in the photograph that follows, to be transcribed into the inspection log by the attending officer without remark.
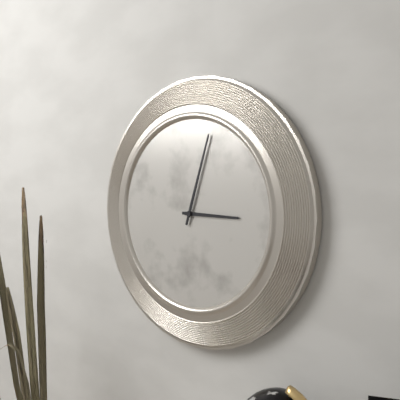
3:03
